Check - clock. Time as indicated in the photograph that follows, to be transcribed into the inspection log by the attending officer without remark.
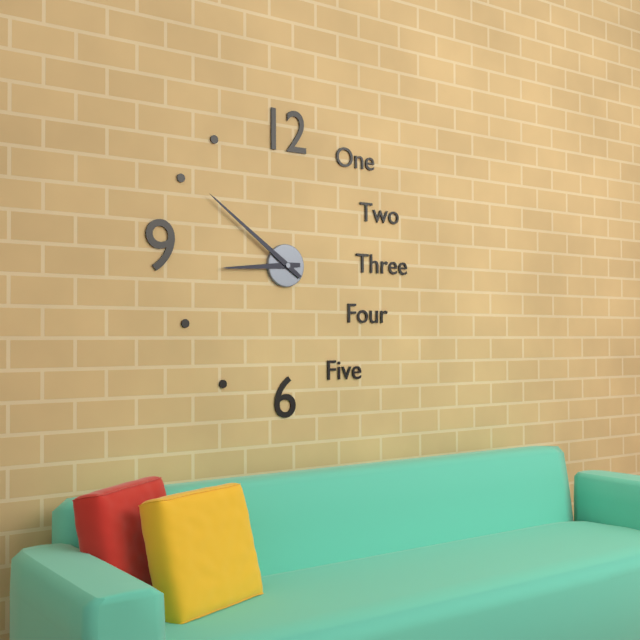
8:51
